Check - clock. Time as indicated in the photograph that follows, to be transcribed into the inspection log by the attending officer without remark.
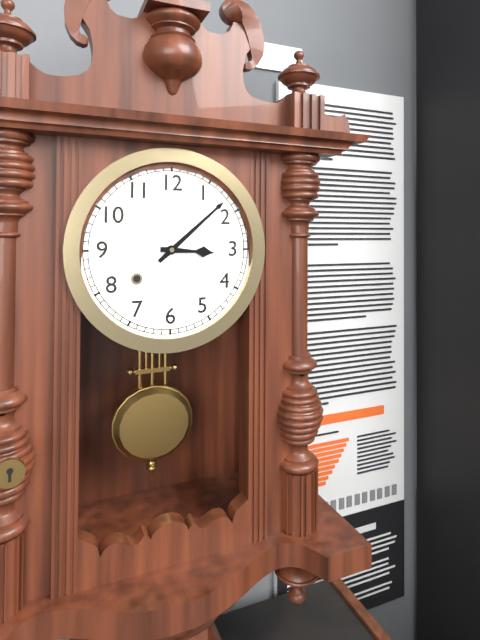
3:08
